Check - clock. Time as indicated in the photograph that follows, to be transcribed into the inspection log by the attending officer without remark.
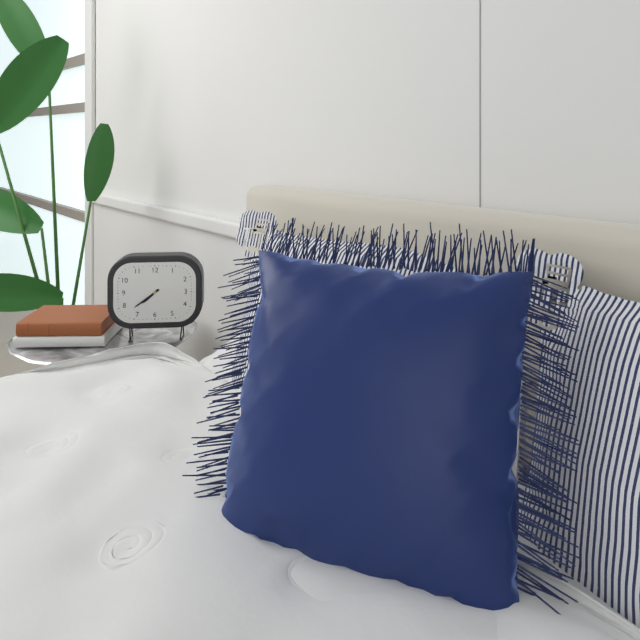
7:39
